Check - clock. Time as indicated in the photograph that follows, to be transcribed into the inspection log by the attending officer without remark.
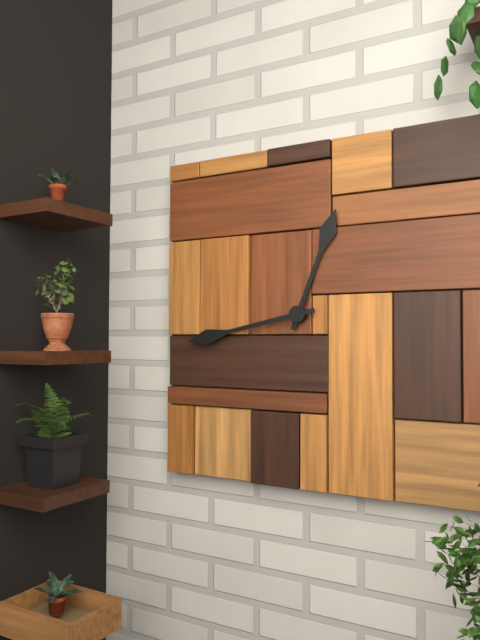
12:43
